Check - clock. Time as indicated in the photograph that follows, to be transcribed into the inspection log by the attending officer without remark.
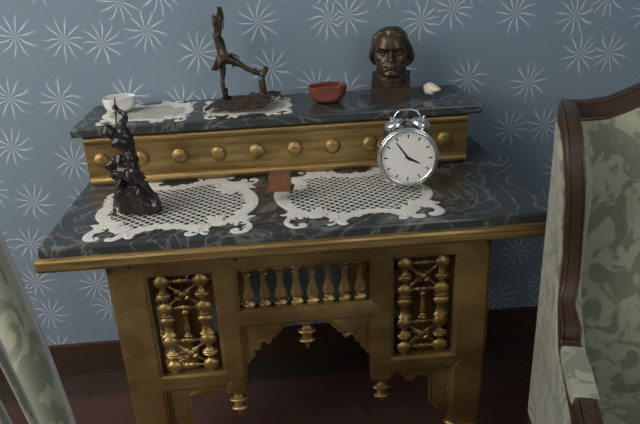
3:54
